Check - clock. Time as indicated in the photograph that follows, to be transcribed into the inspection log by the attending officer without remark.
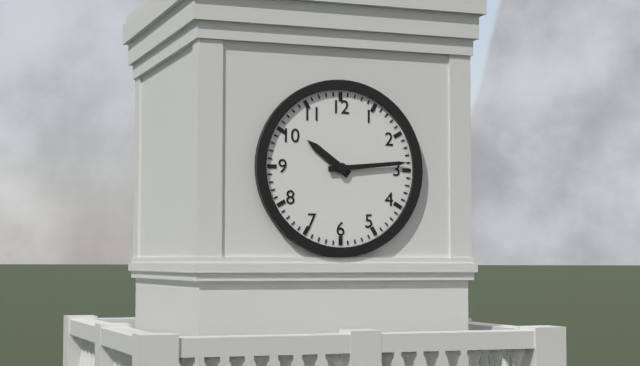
10:14
